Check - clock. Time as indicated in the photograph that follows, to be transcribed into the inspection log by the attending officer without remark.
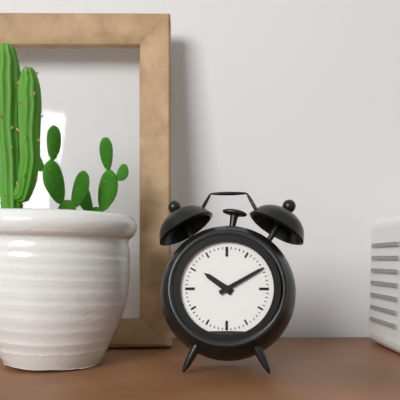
10:10
